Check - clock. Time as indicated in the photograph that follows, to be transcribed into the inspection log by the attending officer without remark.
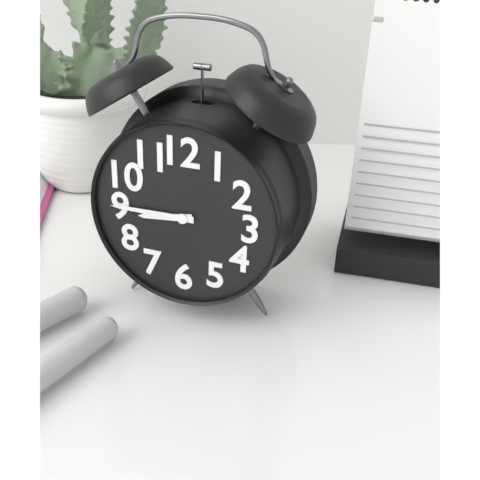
8:45
